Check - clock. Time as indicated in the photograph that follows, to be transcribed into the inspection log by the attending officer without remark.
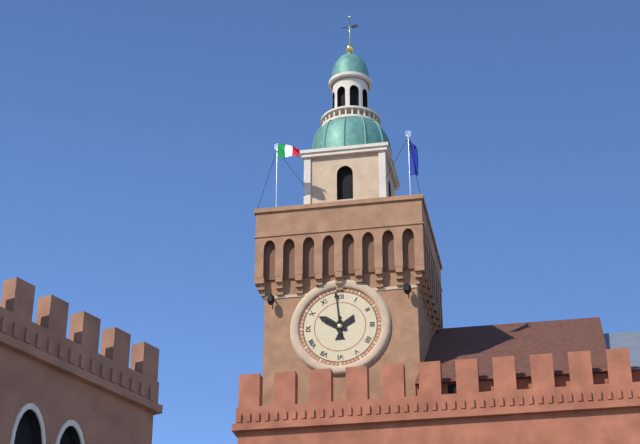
9:59
